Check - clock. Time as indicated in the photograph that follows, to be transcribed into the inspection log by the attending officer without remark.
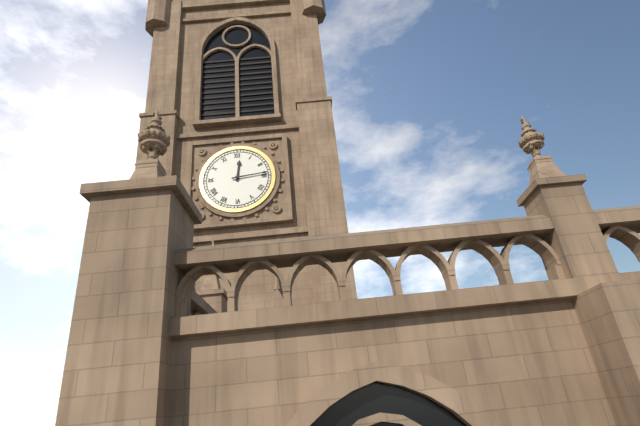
12:14
